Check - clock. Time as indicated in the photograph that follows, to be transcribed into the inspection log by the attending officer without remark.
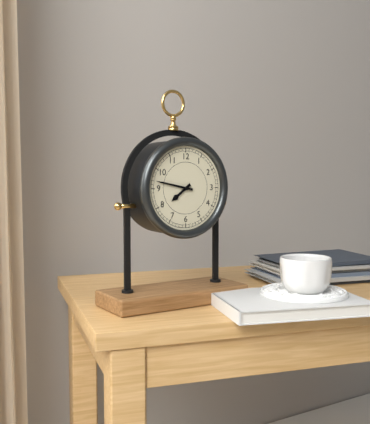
7:47
